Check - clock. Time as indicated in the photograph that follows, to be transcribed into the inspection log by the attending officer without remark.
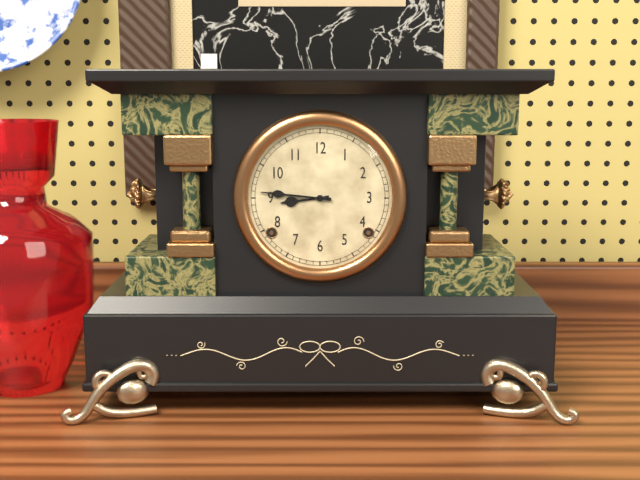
8:46
